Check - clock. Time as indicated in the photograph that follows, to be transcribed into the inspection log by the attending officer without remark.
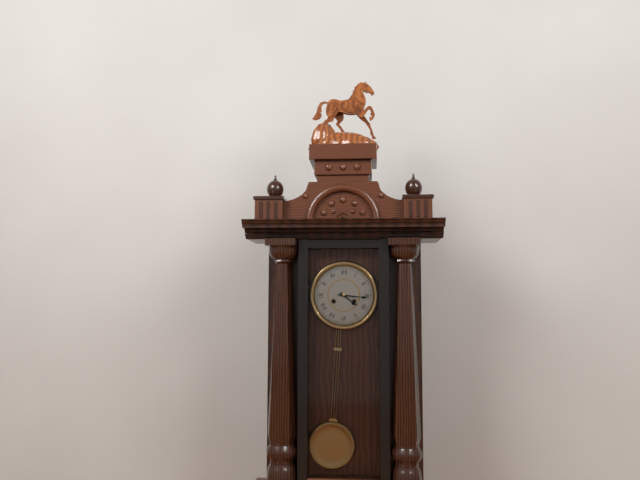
4:16
